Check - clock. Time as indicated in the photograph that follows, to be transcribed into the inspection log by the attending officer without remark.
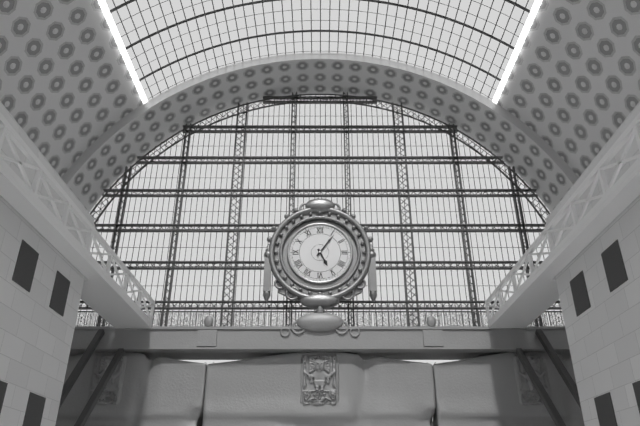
5:06
